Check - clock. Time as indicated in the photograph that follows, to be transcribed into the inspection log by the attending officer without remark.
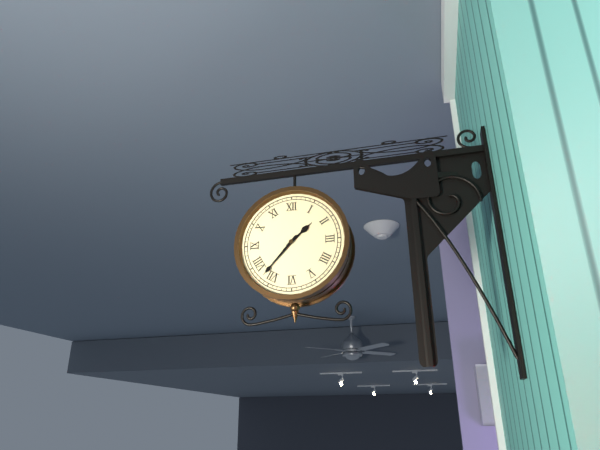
1:37
